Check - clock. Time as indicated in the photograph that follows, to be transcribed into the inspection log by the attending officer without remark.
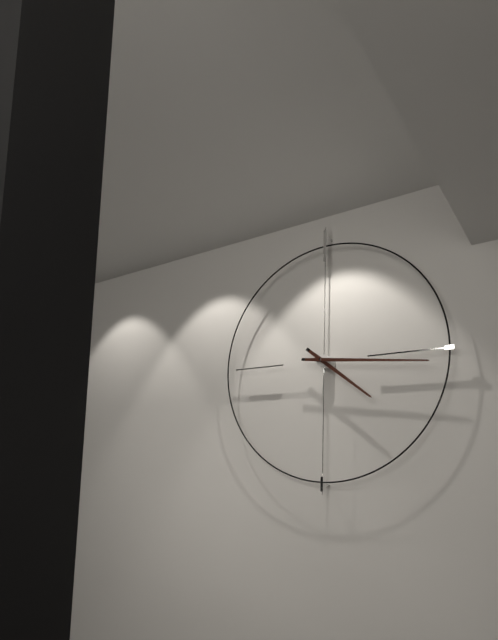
4:16
